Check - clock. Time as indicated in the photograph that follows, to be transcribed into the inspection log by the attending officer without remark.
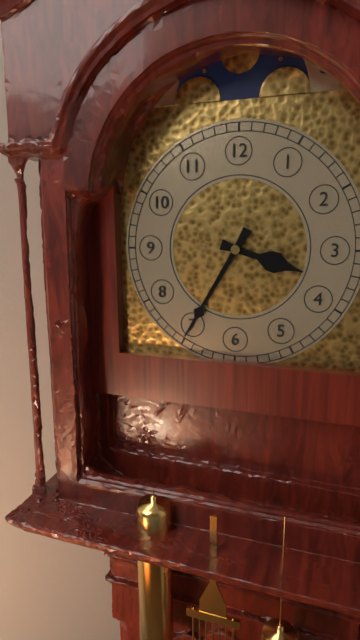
3:35
